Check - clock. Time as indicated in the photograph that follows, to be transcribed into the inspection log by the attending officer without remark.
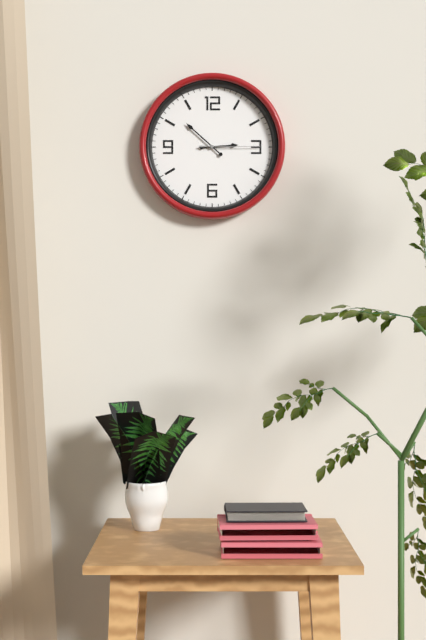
2:52:15
